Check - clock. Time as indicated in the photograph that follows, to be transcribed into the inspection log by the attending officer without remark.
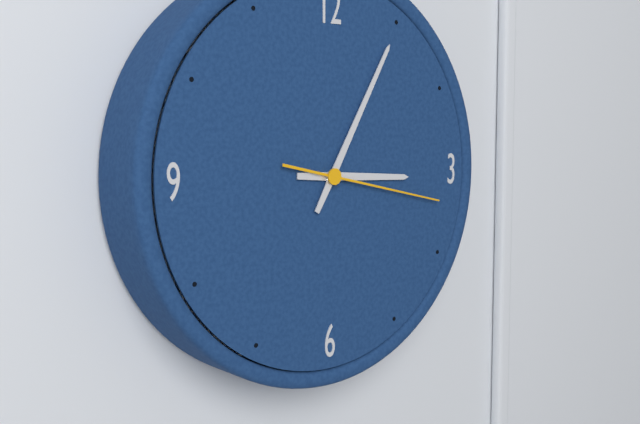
3:05:17
